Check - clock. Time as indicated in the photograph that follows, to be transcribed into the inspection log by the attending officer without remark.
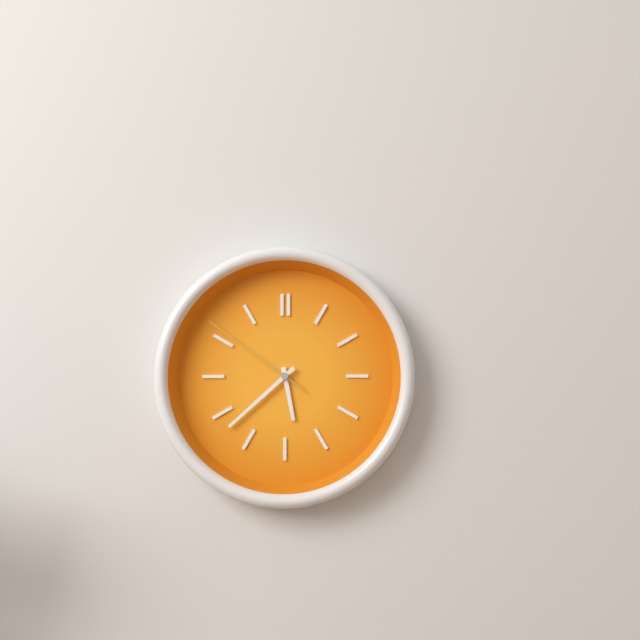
5:38:51
